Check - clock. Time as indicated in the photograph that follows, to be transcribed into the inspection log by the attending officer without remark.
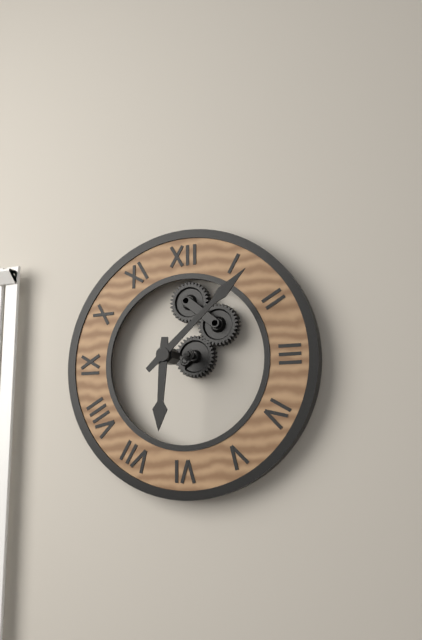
6:08
